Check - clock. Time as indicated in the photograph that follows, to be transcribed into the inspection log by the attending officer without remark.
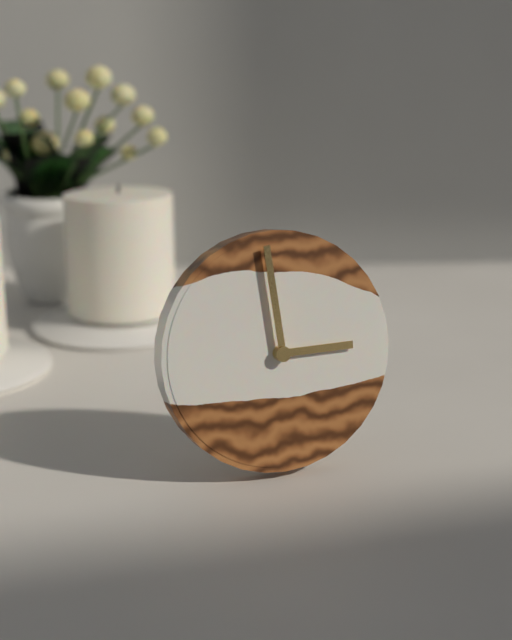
2:59
